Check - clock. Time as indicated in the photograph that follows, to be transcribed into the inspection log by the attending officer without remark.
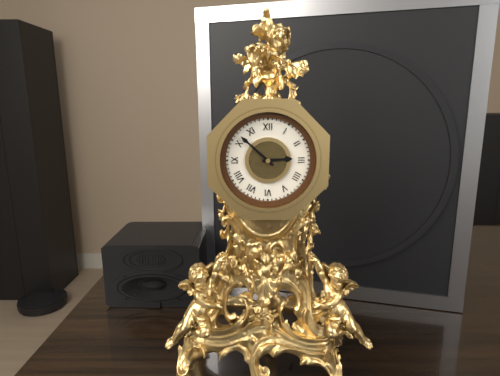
2:52
